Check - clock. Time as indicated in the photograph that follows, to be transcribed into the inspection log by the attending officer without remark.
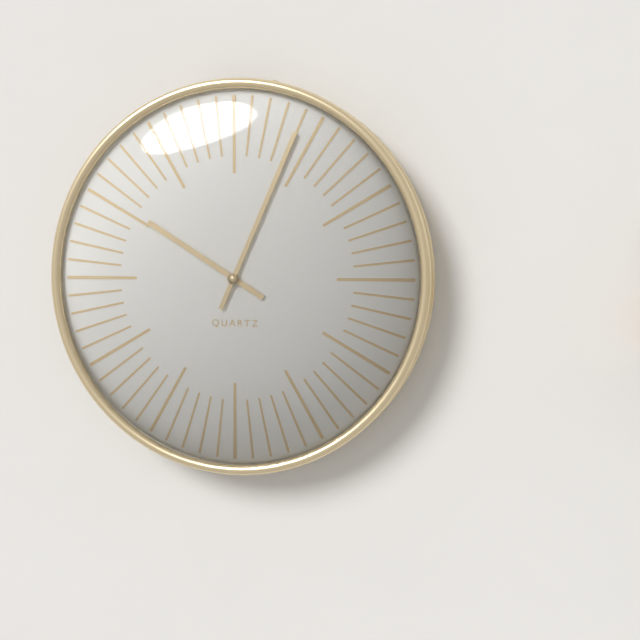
10:04
